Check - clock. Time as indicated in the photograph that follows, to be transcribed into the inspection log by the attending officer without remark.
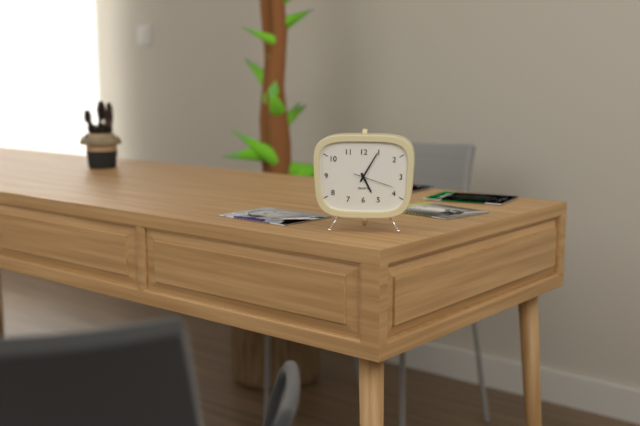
5:05
